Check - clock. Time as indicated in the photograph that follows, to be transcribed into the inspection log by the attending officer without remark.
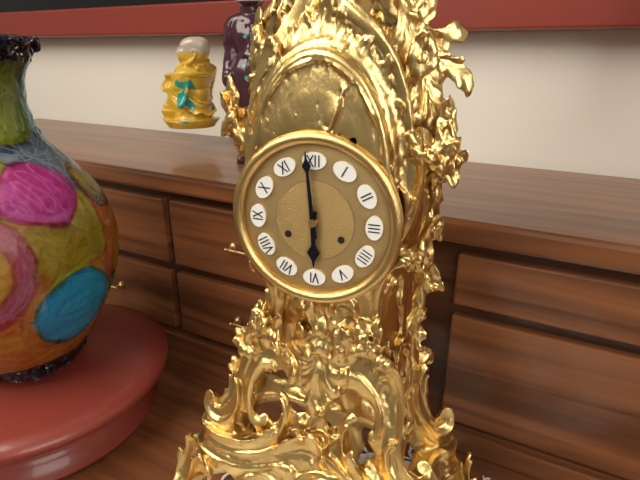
5:59
